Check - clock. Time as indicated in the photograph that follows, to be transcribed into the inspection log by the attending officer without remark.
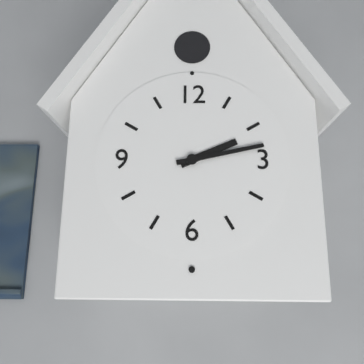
2:13
